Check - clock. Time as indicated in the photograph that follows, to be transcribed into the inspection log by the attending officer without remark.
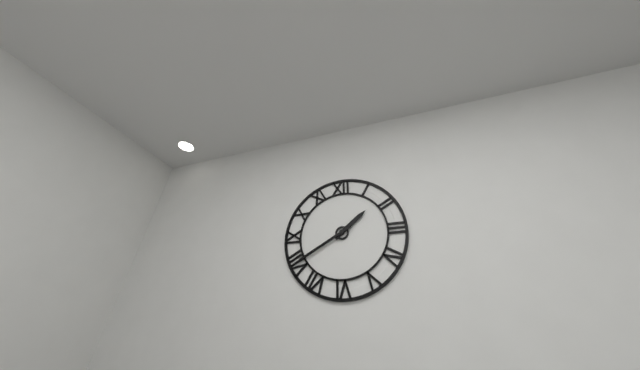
1:40
